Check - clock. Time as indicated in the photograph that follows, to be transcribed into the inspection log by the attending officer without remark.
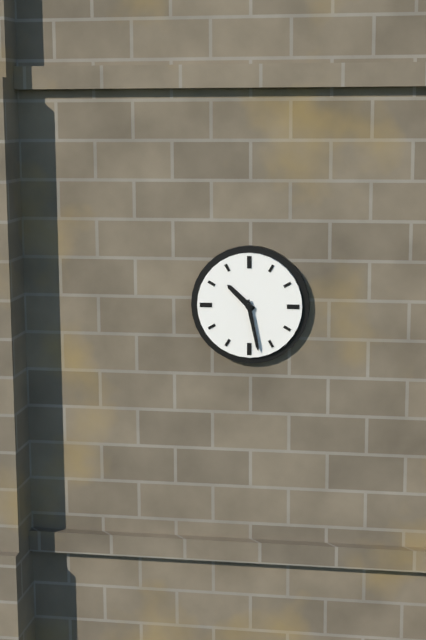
10:28
